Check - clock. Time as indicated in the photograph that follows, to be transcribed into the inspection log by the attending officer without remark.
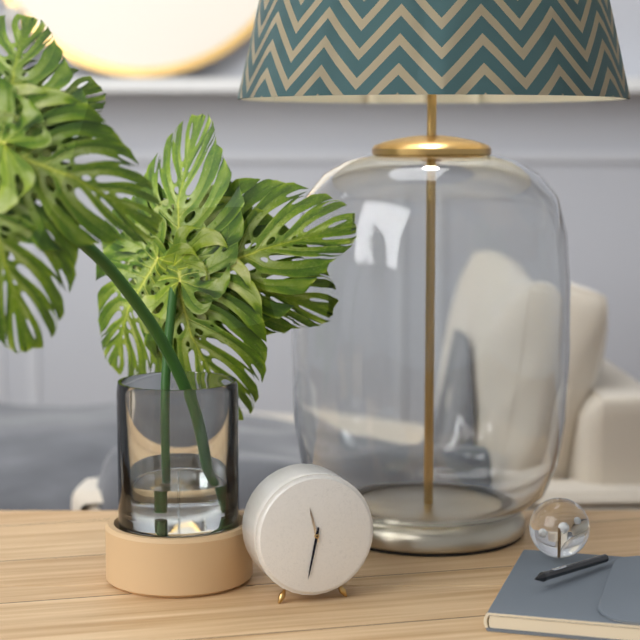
11:32
